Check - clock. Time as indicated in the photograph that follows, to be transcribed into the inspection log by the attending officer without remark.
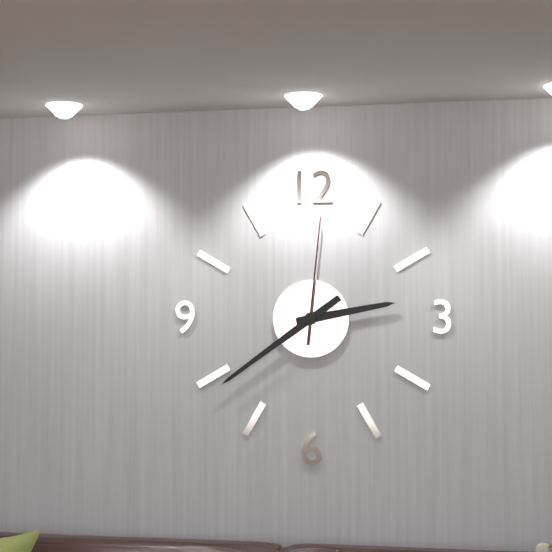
2:39:01
